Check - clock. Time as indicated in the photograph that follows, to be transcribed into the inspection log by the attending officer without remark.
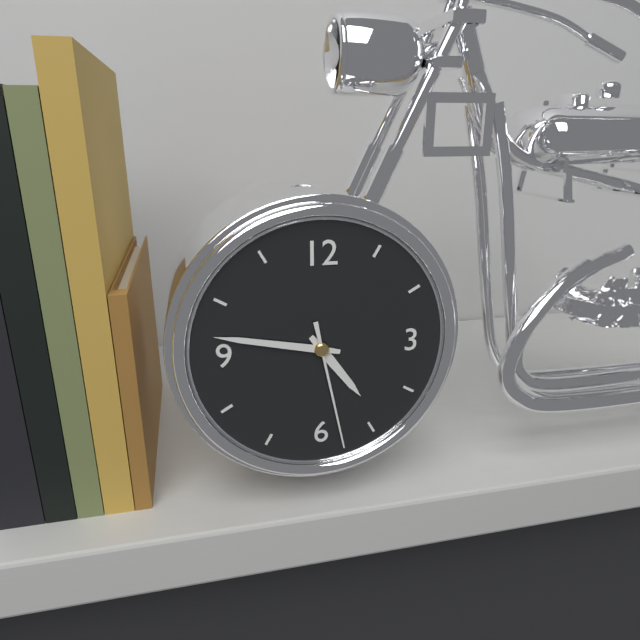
4:47:28
